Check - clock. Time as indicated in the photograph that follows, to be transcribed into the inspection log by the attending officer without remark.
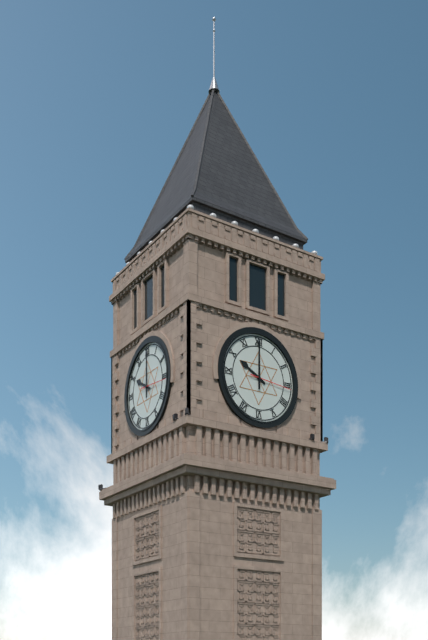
10:00
